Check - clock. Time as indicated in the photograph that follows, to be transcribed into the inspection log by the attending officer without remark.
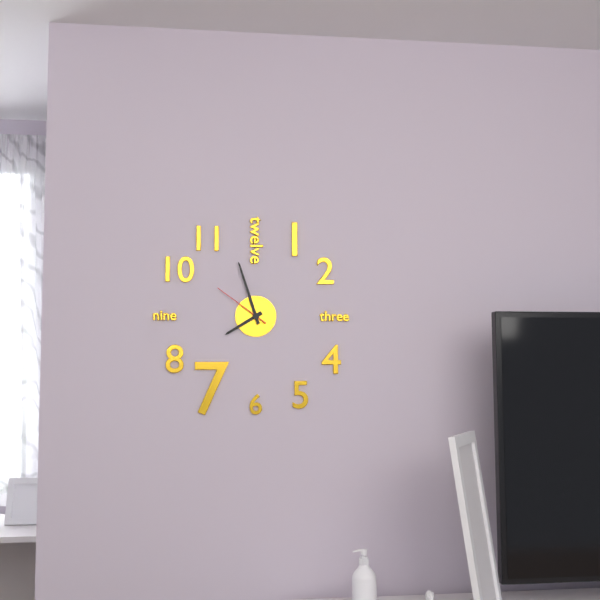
7:57:51
